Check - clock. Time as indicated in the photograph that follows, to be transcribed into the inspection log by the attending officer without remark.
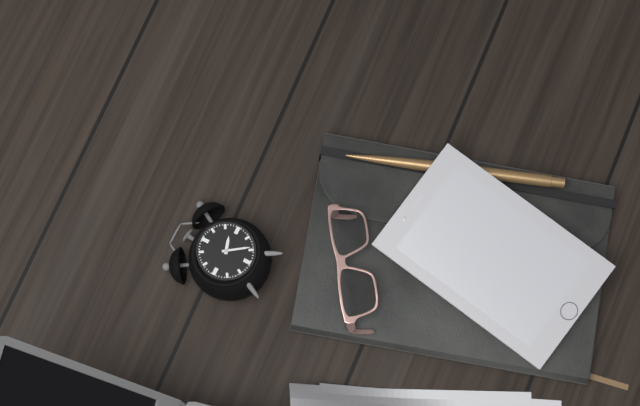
2:24
